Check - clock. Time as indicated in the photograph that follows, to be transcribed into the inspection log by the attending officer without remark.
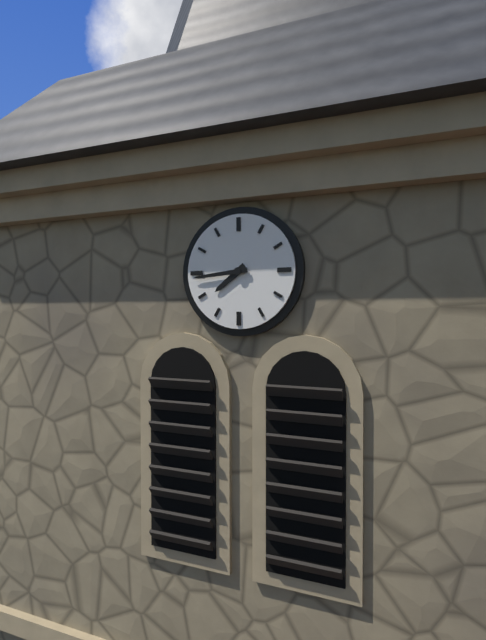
7:44
